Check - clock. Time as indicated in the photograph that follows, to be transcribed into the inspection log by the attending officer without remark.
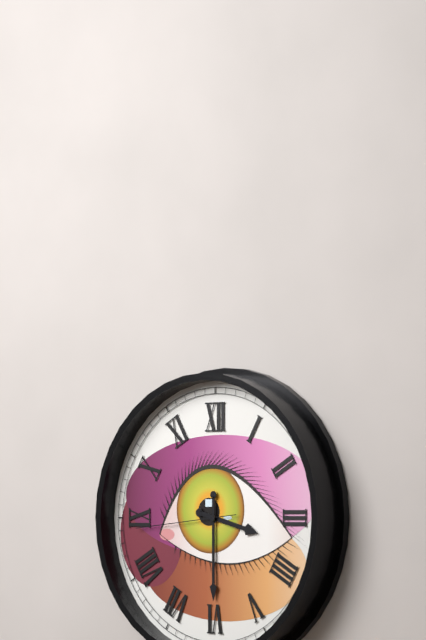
3:30:44
